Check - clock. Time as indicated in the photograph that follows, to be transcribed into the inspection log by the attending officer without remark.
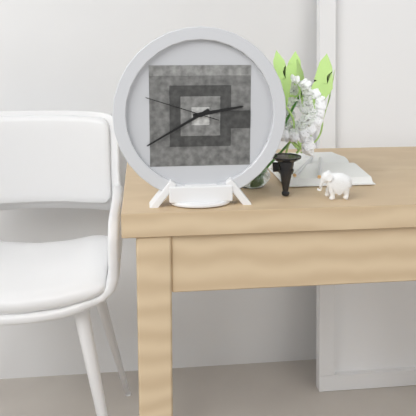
2:40:48
